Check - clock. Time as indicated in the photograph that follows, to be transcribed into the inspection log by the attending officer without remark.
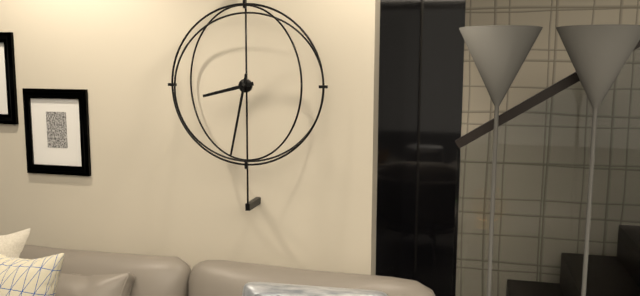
8:32
